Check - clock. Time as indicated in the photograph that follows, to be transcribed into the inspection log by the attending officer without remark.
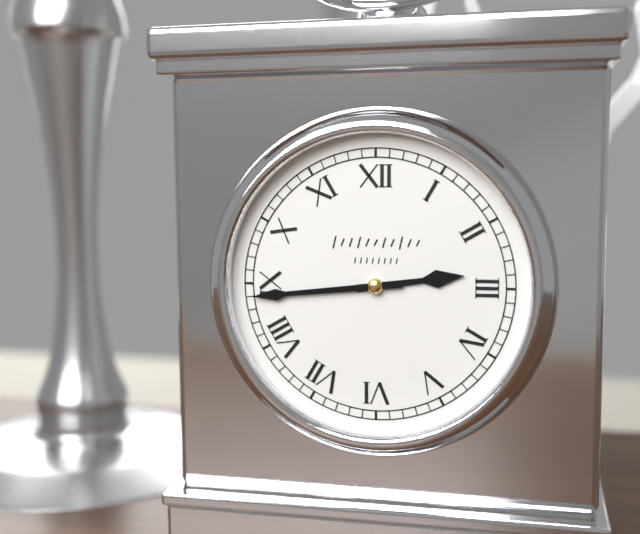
2:44
